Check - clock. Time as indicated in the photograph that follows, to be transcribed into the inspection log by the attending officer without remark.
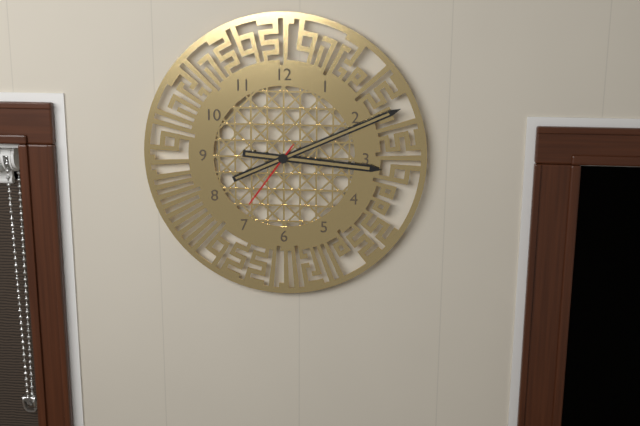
3:11:36
